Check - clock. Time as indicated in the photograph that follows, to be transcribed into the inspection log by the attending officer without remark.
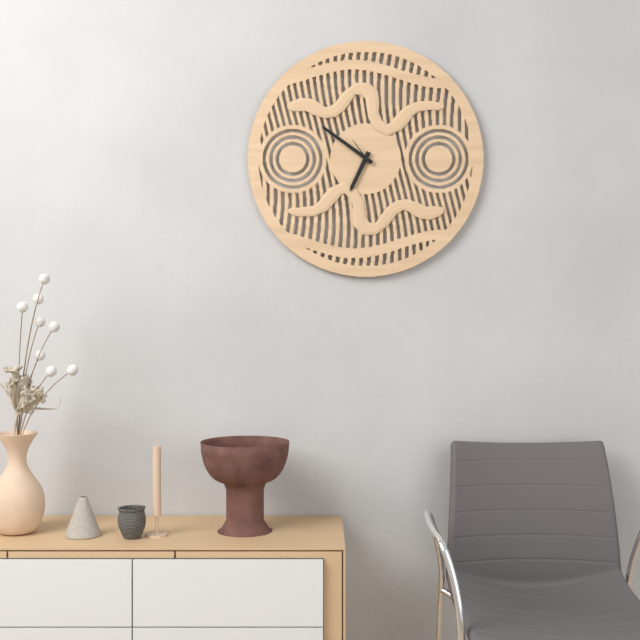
6:51
